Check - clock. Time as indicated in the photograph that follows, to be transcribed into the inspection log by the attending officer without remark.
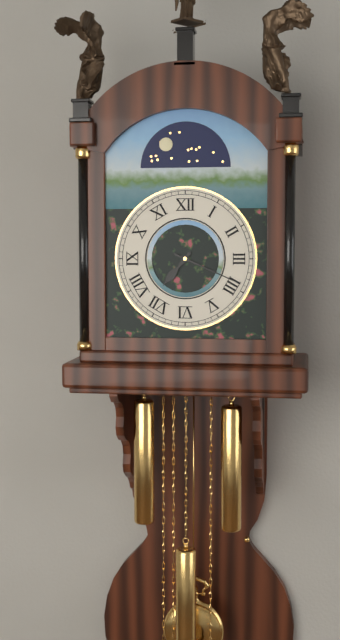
7:19
